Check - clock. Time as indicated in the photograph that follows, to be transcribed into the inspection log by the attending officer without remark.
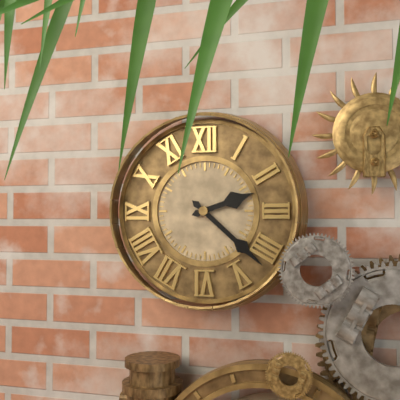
2:22
